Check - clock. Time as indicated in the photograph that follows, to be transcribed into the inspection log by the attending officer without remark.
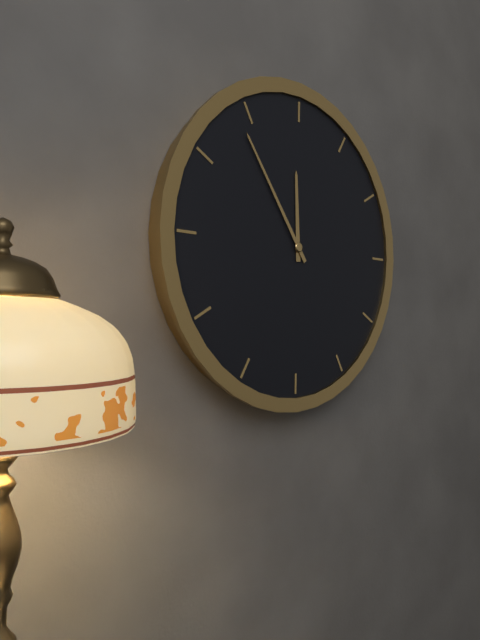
11:54
